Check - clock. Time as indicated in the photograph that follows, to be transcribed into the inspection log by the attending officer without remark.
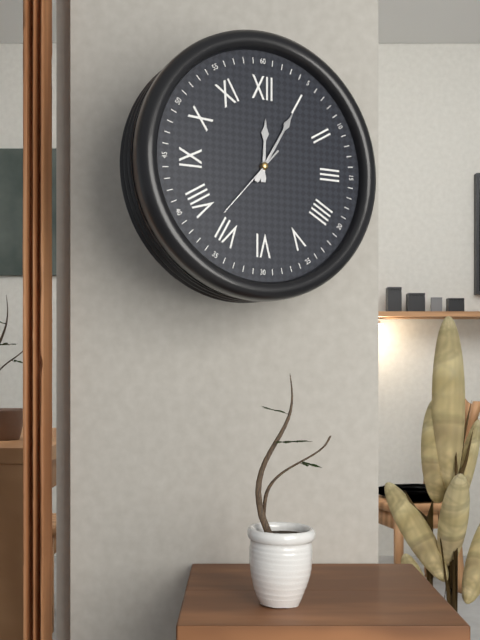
12:05:37
